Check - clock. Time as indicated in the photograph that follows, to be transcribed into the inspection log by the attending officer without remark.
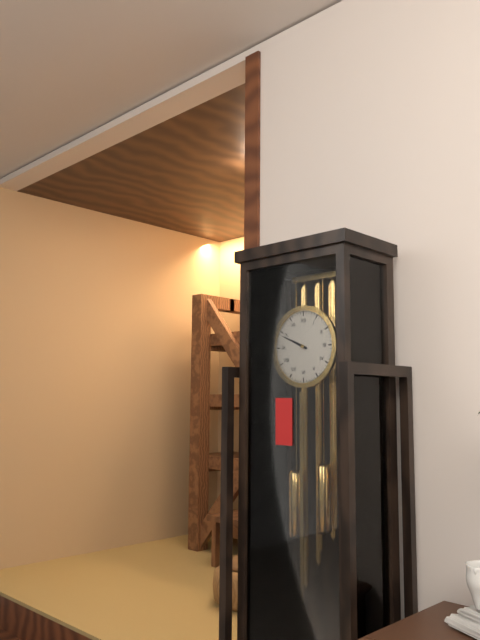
9:49
